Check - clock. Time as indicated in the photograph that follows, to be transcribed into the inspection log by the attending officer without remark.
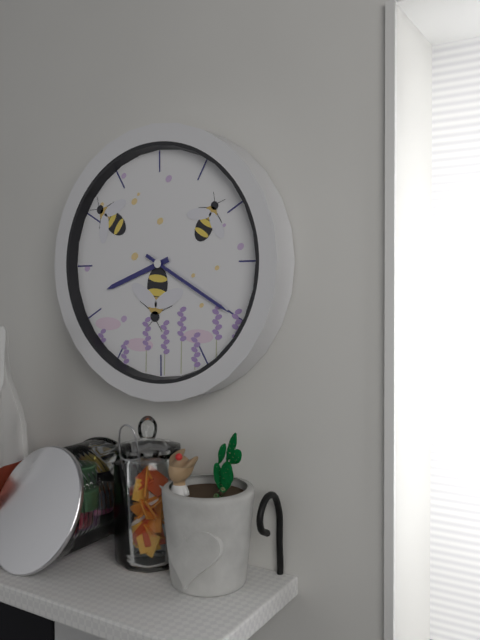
8:20
